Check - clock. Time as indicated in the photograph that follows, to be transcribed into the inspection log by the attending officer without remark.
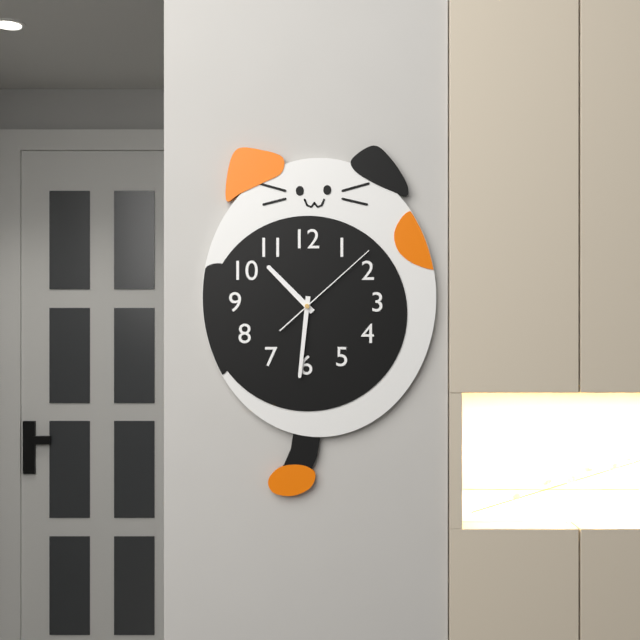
10:31:08
